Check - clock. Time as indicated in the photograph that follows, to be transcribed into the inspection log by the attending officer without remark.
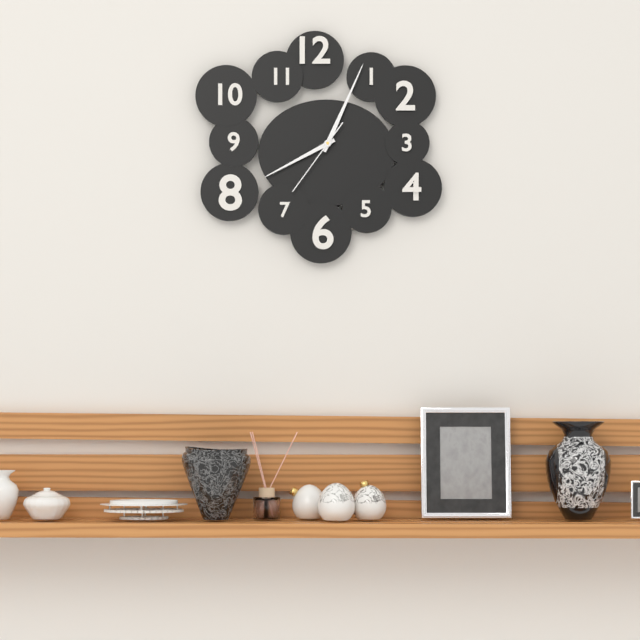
8:04:36
